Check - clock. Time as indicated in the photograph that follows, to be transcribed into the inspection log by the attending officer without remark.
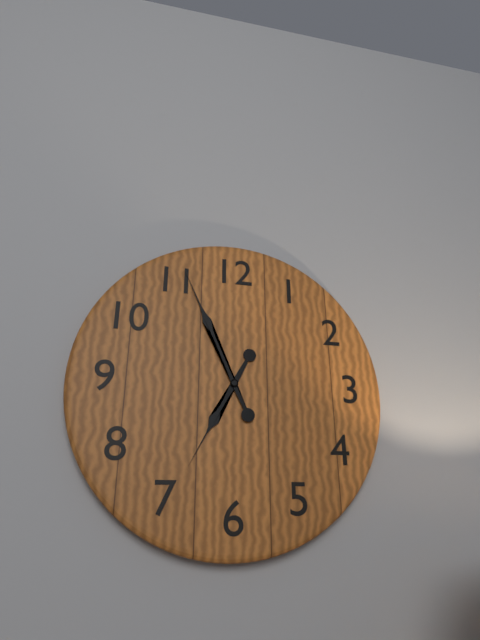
6:56
